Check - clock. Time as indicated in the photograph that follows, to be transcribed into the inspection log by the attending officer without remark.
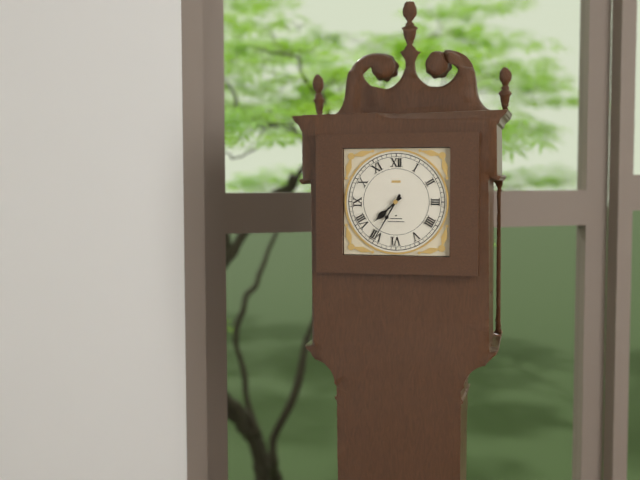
7:35
